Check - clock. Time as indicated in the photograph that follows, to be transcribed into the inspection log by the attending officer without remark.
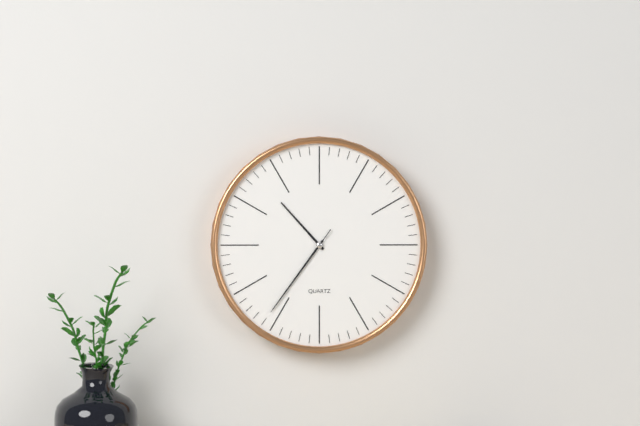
10:36:36
